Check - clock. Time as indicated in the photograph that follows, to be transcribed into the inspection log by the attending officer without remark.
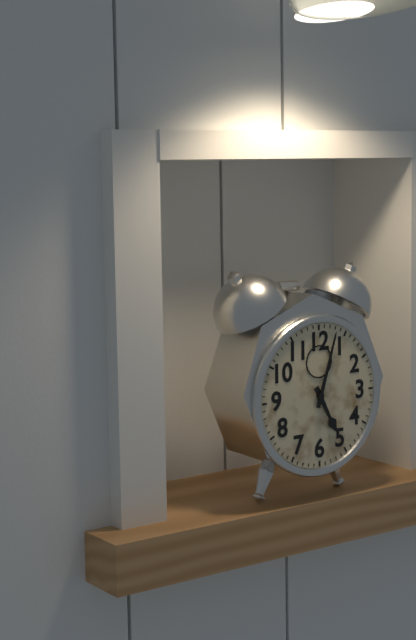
5:03
